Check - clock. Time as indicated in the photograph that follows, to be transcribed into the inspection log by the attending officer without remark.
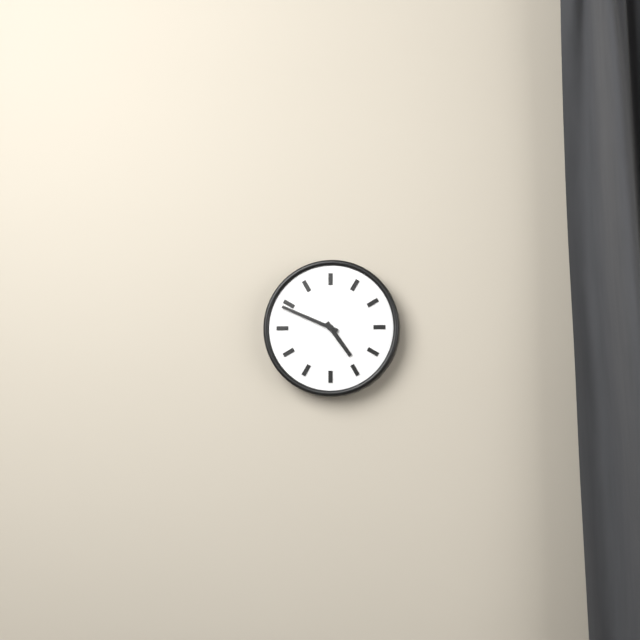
4:49
